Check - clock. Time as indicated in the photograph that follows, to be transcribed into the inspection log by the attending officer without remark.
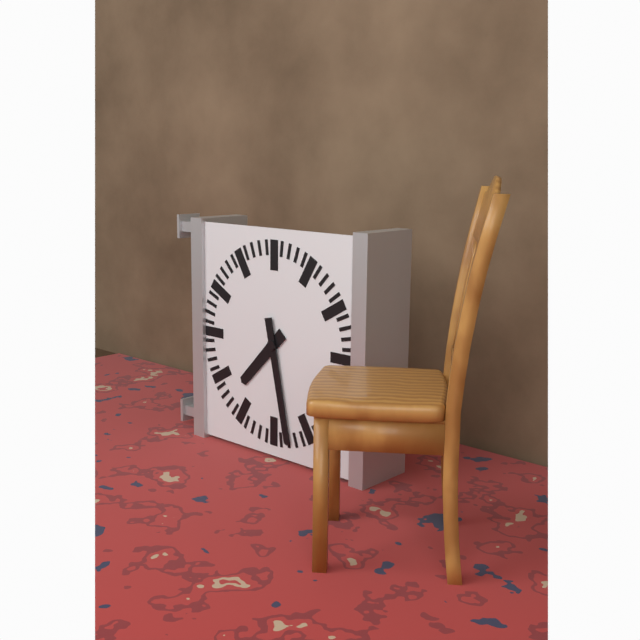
7:28
